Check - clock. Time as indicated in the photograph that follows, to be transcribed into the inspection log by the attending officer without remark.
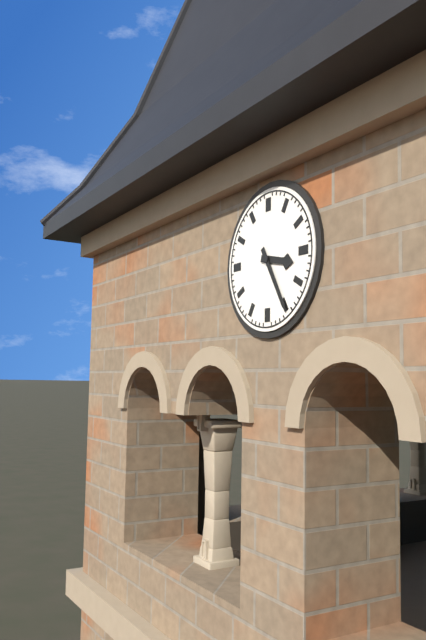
3:25
